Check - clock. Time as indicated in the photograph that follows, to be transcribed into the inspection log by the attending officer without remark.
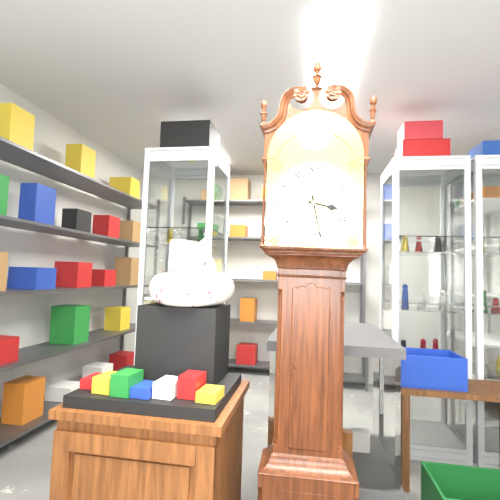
3:28
